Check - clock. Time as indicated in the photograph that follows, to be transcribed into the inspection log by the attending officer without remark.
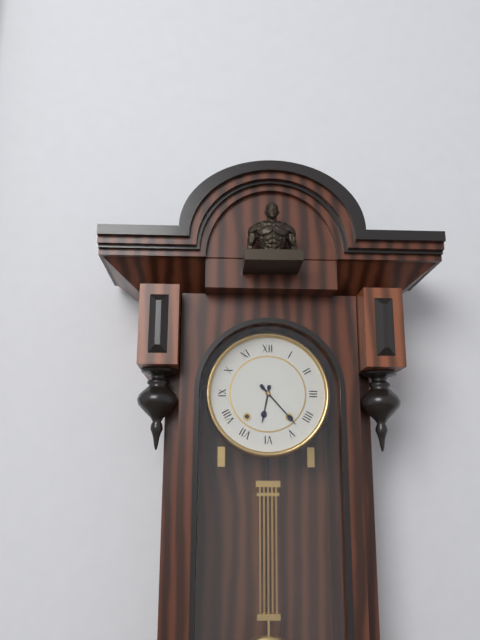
6:23
